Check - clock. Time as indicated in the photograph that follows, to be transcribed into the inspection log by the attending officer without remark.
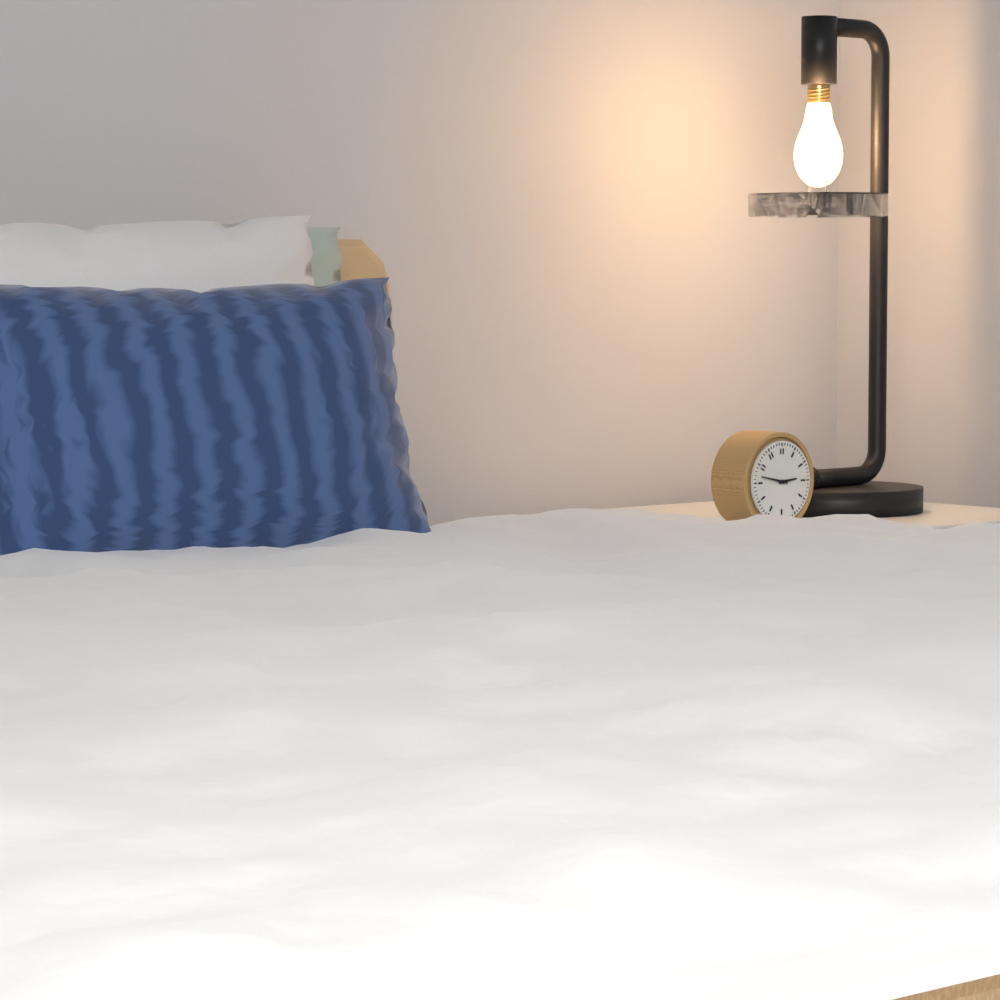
2:47
